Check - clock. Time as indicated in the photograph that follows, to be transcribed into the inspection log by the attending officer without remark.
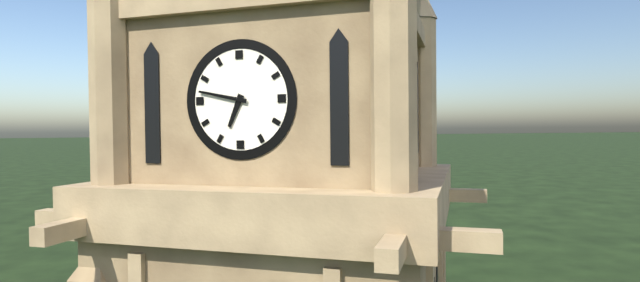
6:47
